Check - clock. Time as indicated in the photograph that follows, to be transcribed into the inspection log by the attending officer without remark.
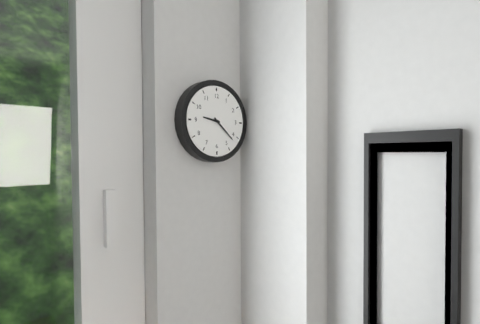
9:22
